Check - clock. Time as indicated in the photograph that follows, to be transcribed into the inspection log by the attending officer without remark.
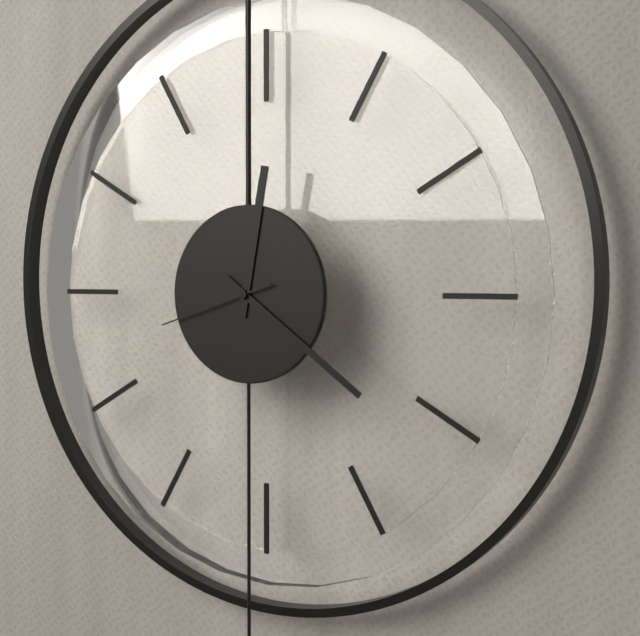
12:21:42
